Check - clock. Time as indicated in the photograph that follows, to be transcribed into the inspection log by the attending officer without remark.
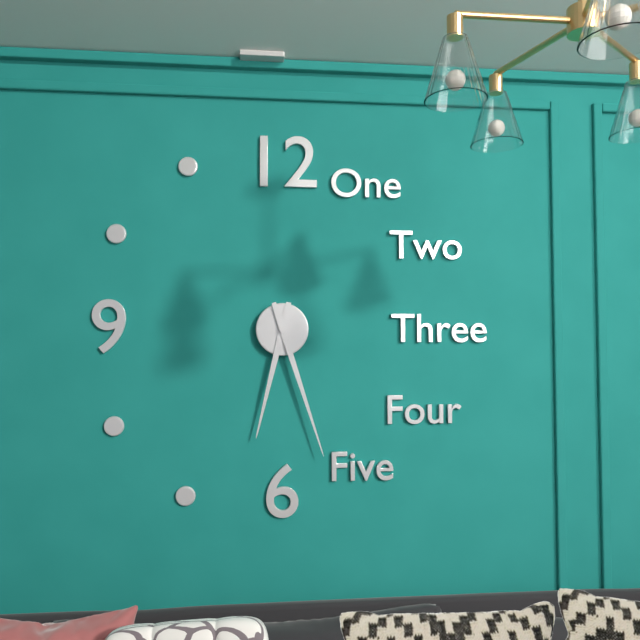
6:27
